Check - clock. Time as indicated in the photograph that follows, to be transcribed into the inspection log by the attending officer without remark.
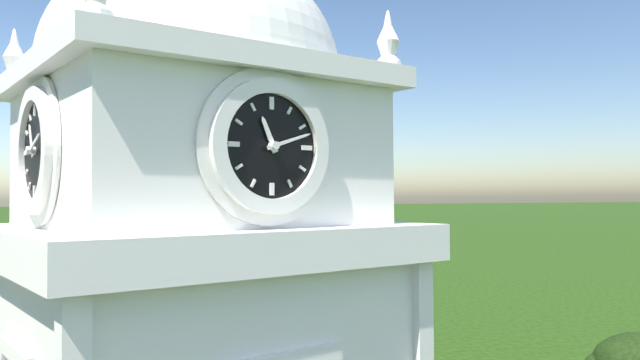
11:12
